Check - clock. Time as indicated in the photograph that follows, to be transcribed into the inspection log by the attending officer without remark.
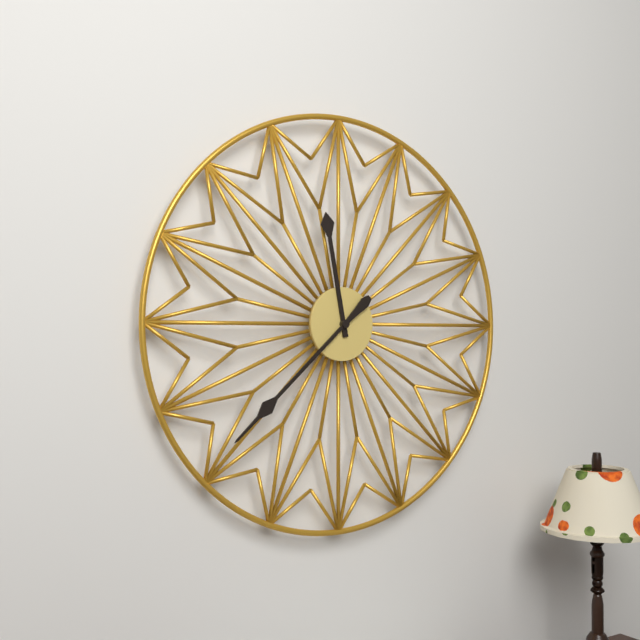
11:38
